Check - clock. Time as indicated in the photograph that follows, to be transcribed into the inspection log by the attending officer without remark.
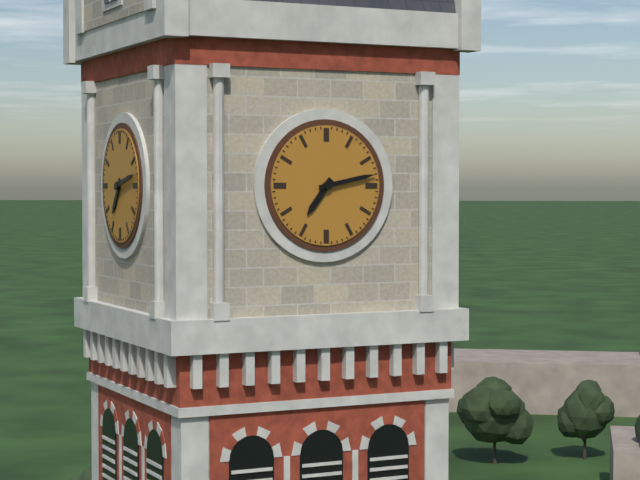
7:13
